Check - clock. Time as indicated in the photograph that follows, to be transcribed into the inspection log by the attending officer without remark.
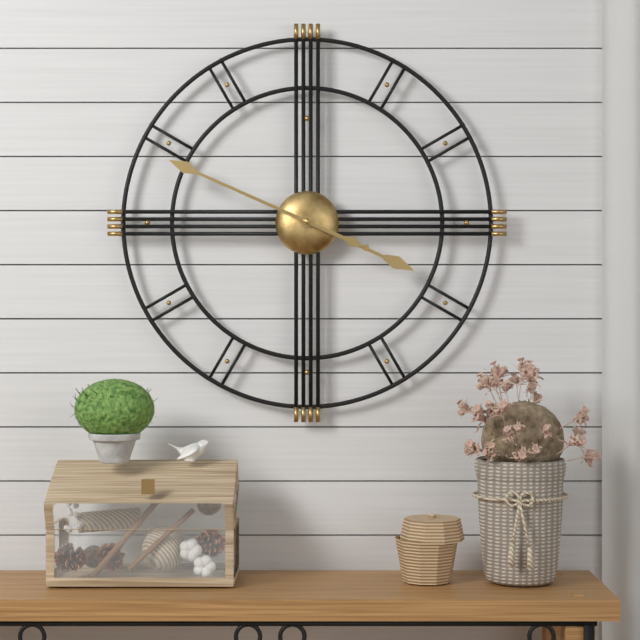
3:49
